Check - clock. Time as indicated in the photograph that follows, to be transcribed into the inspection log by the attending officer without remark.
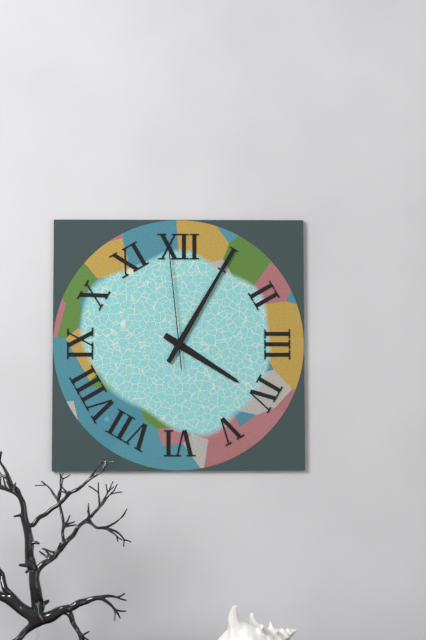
4:05:59
